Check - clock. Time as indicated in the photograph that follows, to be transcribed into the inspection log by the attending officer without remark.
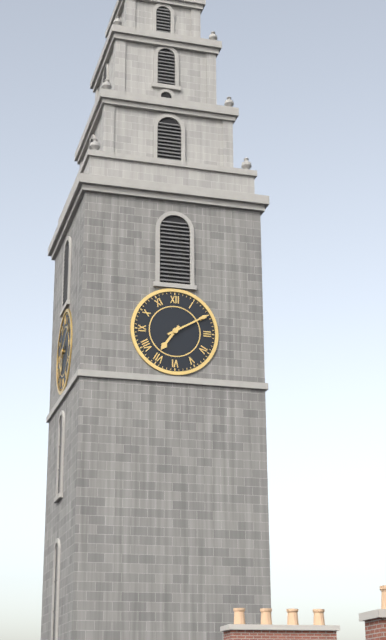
7:10
